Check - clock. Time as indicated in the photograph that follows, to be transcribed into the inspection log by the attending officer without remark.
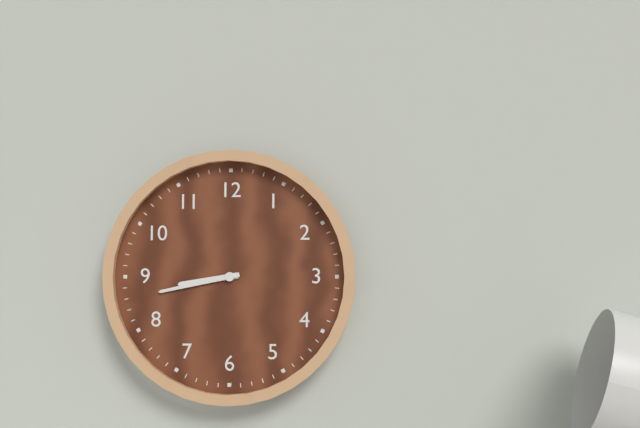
8:43
